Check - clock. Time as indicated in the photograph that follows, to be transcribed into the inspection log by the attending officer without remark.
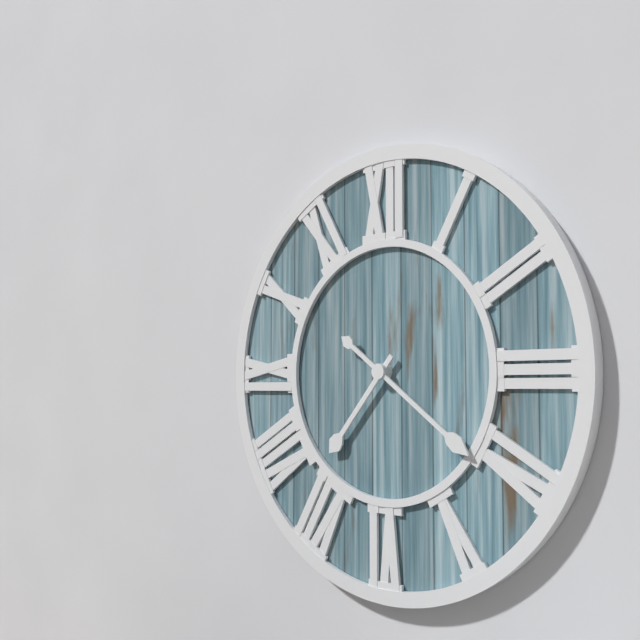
7:21
